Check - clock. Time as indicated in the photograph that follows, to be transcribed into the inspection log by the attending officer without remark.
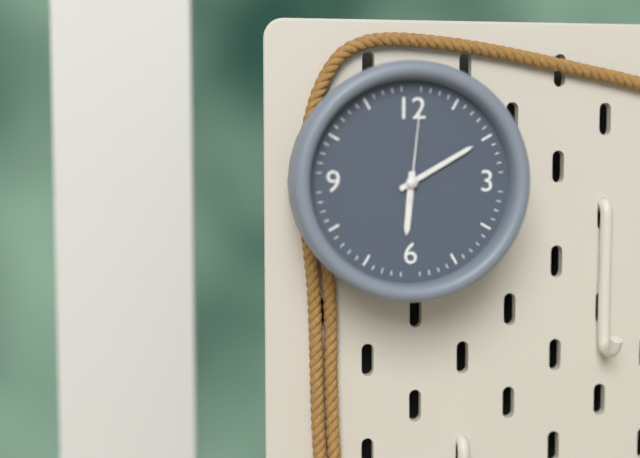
6:10:01
